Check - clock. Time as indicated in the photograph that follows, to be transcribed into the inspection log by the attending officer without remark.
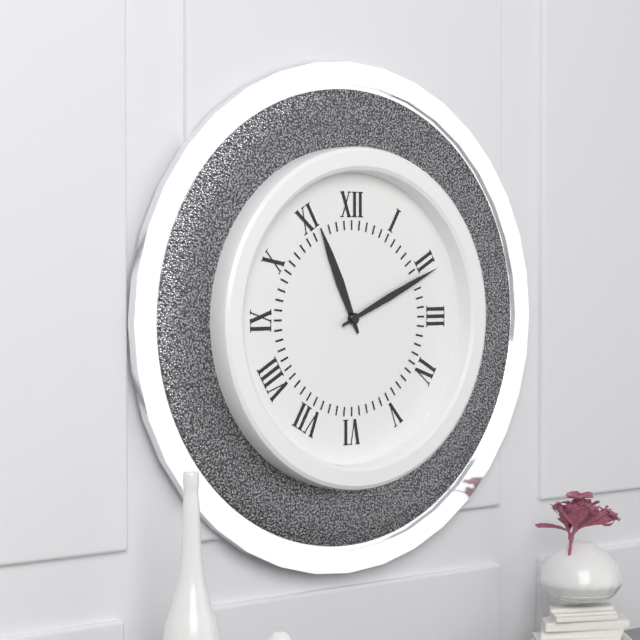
11:11
